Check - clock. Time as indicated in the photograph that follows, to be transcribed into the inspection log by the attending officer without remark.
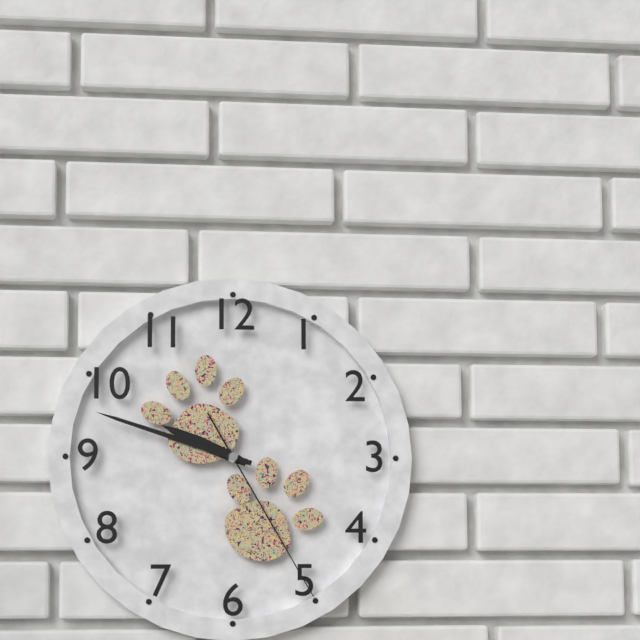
9:48:25
